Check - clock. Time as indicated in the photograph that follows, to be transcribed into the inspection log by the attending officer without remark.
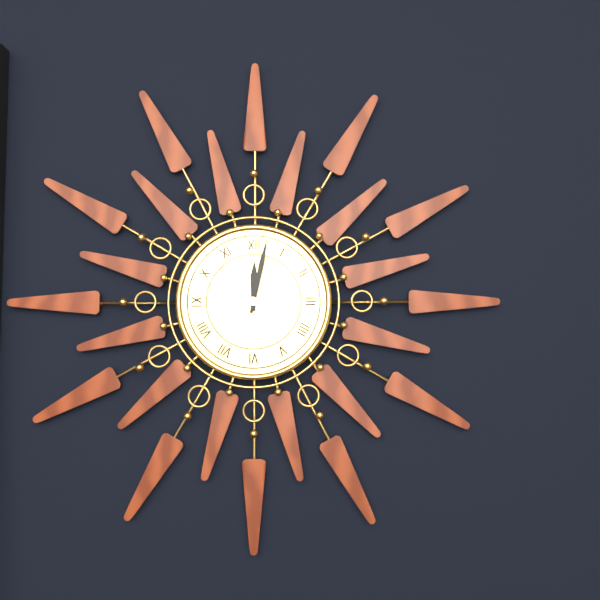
12:02
